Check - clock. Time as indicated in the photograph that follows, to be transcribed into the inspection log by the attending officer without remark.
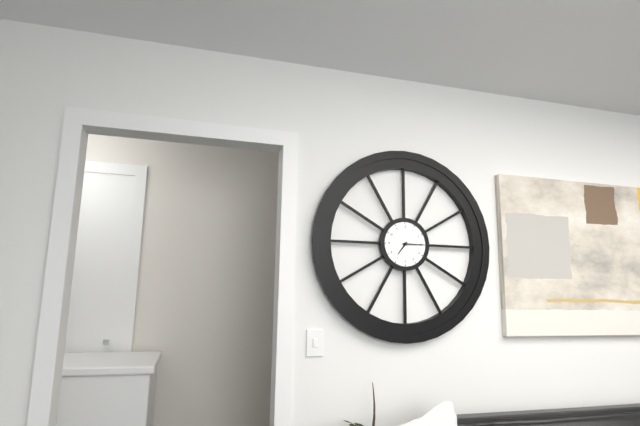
7:15
